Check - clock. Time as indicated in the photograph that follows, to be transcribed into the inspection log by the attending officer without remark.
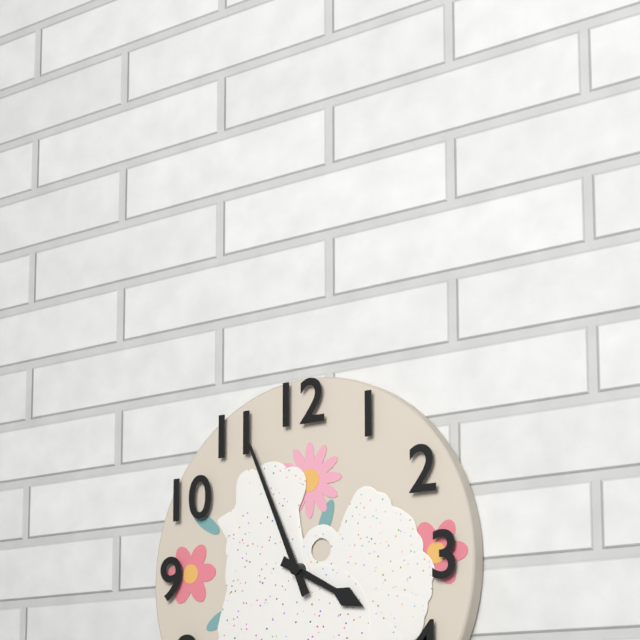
3:56
